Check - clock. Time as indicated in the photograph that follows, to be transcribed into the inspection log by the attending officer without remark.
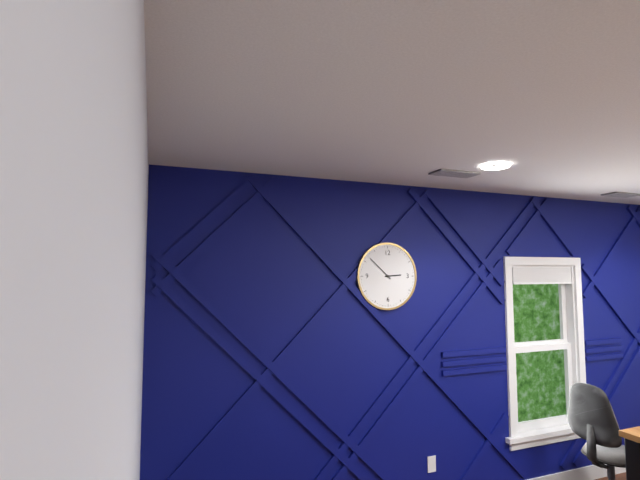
2:52
